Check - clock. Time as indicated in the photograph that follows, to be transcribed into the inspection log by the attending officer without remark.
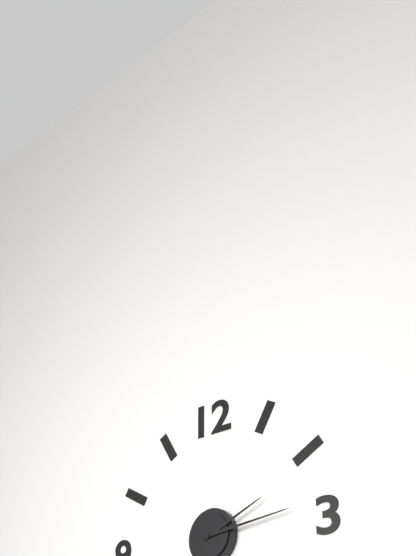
2:14
